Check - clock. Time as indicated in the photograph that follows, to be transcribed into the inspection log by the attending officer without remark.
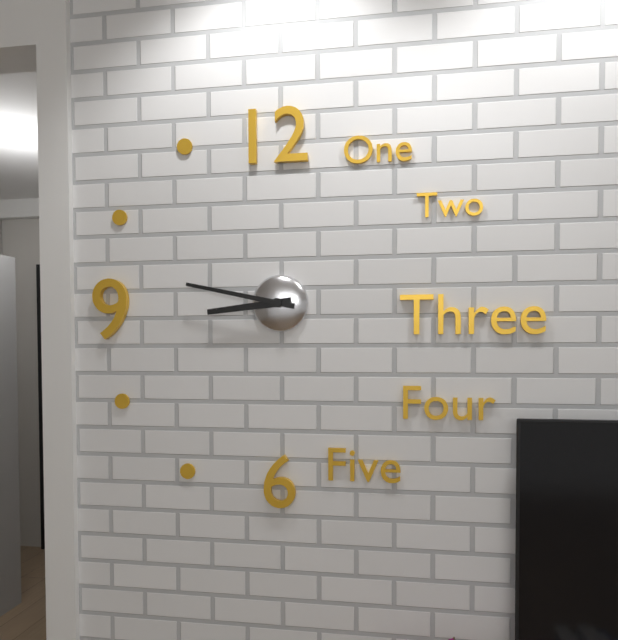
8:47
